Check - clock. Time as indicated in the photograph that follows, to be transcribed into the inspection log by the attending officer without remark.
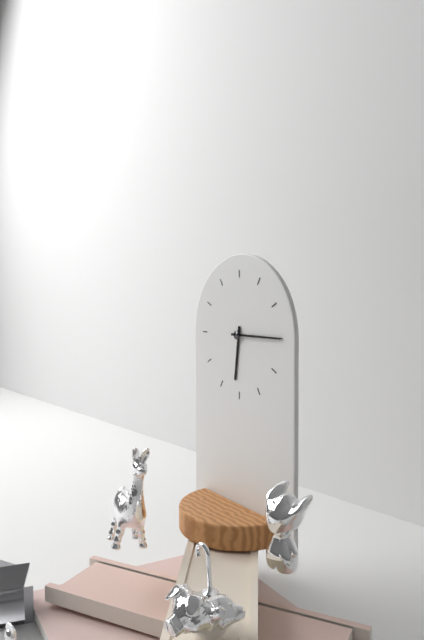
6:15
